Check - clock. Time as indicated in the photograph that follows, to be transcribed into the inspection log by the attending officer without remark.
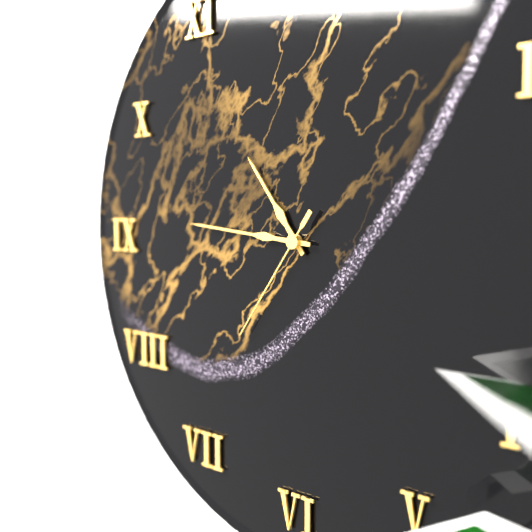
10:46:36
